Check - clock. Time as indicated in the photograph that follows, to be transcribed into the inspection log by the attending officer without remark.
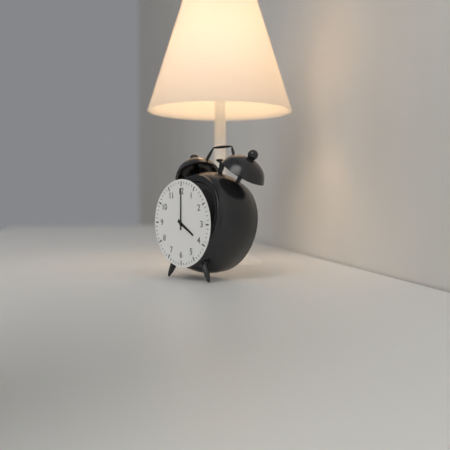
4:00
